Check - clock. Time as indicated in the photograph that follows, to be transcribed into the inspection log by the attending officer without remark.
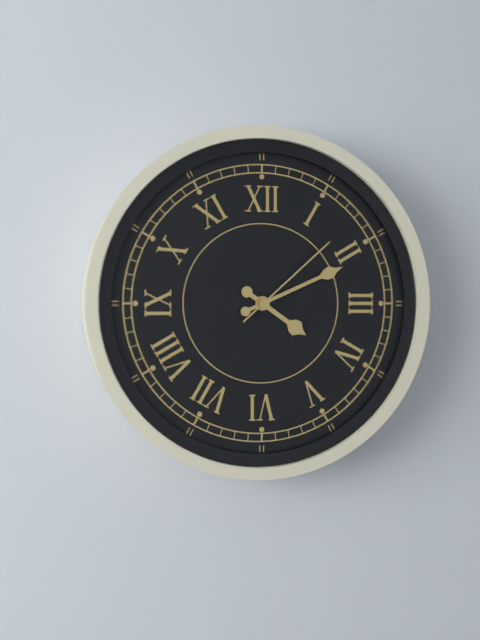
4:11:08
